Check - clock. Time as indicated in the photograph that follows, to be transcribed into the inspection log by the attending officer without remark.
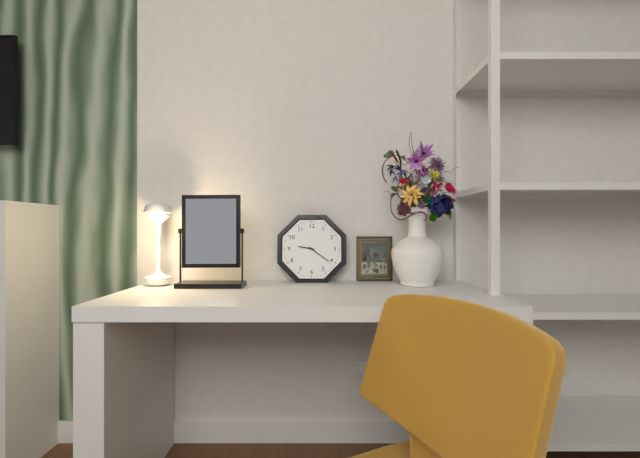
9:21
